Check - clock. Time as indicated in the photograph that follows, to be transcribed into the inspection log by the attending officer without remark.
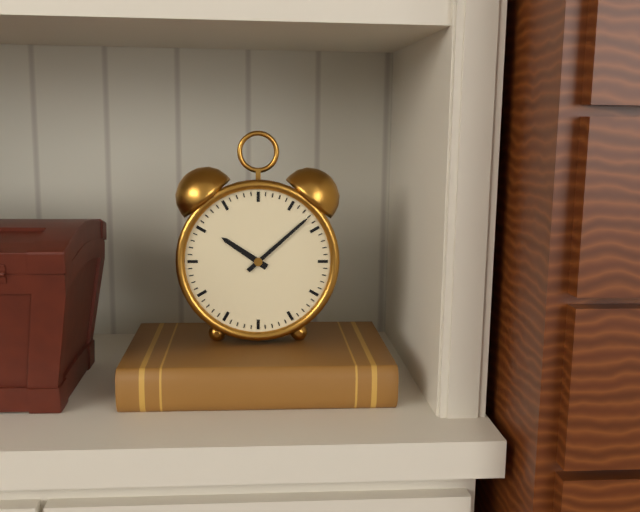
10:08
